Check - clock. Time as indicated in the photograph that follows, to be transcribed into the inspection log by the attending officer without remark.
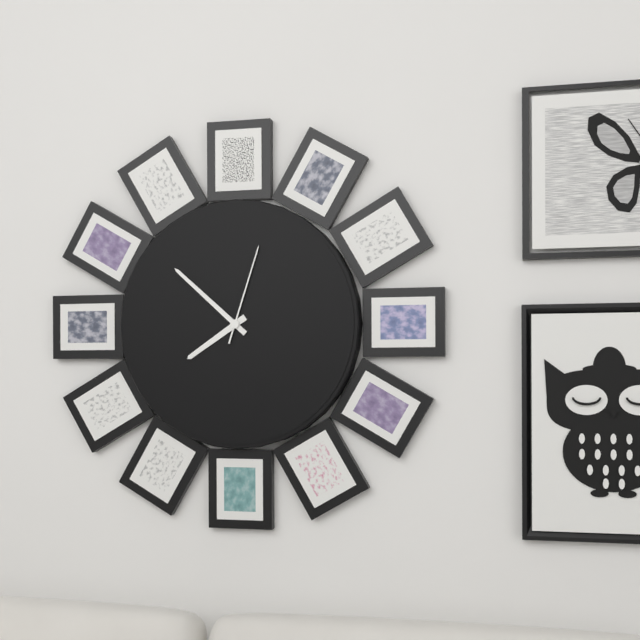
7:52:03
